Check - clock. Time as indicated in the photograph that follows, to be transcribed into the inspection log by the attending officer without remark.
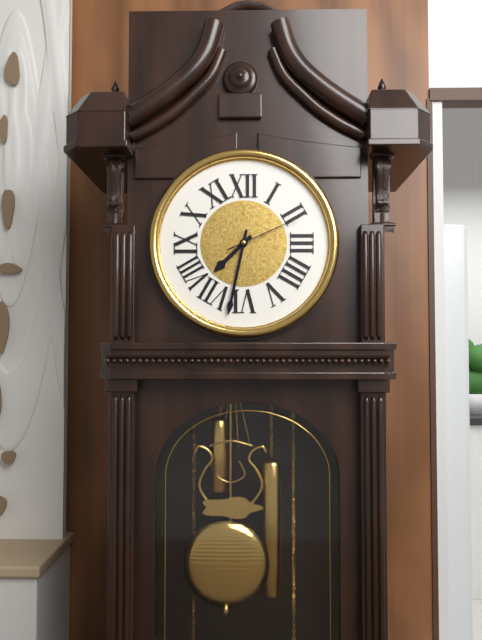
7:32:11
